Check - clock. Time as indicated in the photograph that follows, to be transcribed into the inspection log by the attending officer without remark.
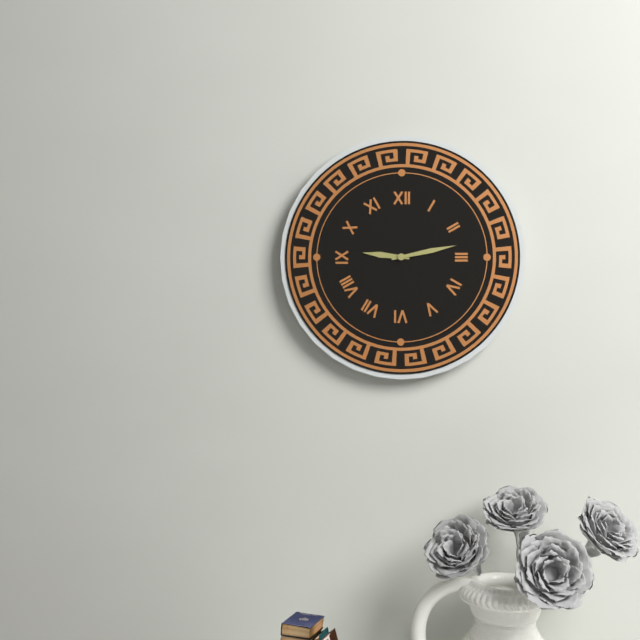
9:13
